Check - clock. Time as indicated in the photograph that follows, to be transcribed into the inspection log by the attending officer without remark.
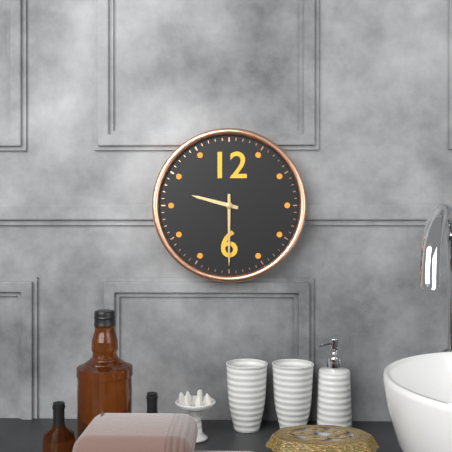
9:30
